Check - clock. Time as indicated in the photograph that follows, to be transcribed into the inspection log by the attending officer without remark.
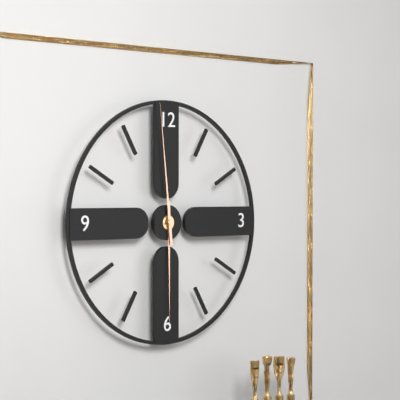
5:59
